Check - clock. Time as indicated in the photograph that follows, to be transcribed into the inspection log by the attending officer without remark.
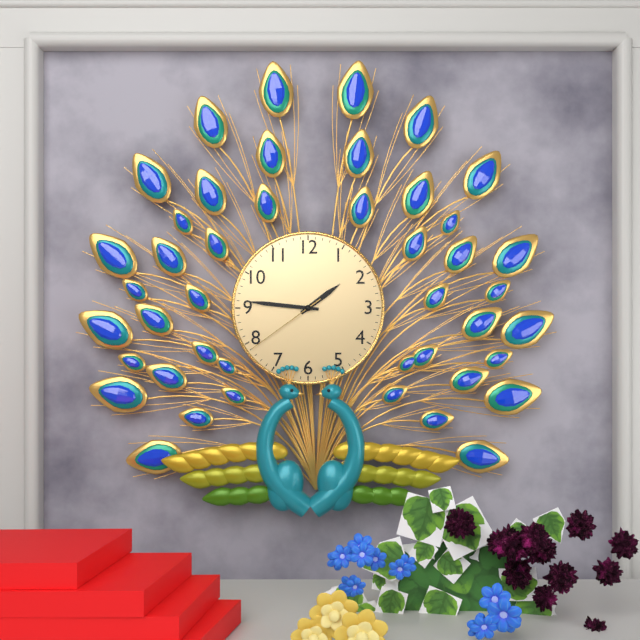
1:46:39
